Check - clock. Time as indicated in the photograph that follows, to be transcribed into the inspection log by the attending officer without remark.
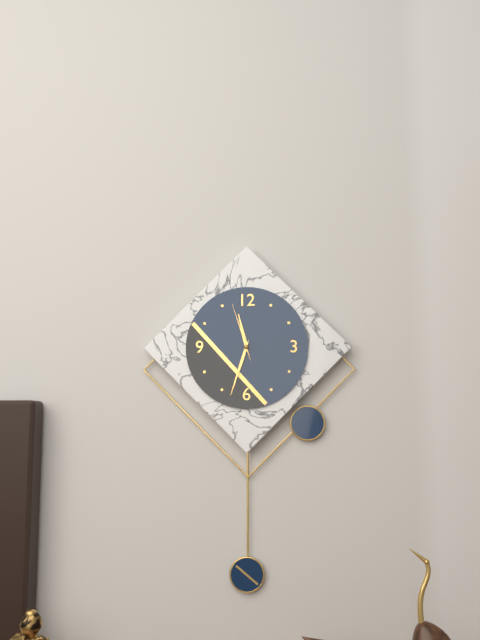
11:33:57
